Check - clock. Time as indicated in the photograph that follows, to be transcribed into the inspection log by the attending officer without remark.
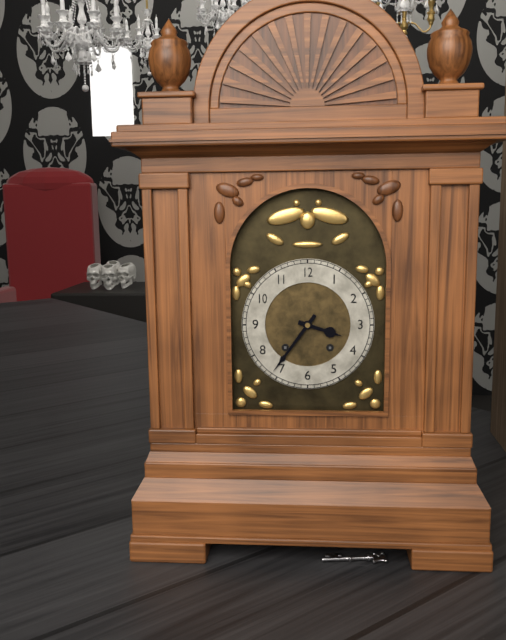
3:36
